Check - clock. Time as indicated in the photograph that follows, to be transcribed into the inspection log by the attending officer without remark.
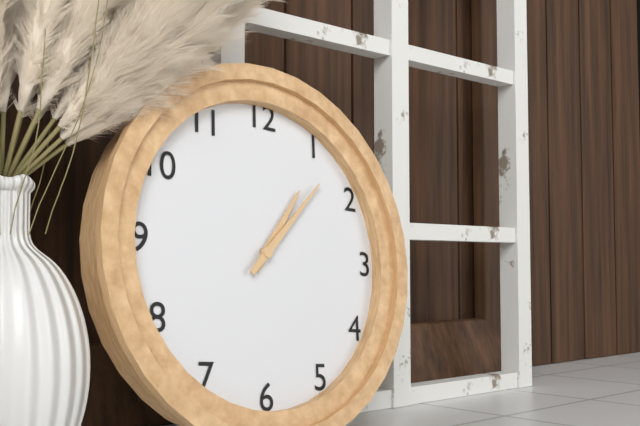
1:07
